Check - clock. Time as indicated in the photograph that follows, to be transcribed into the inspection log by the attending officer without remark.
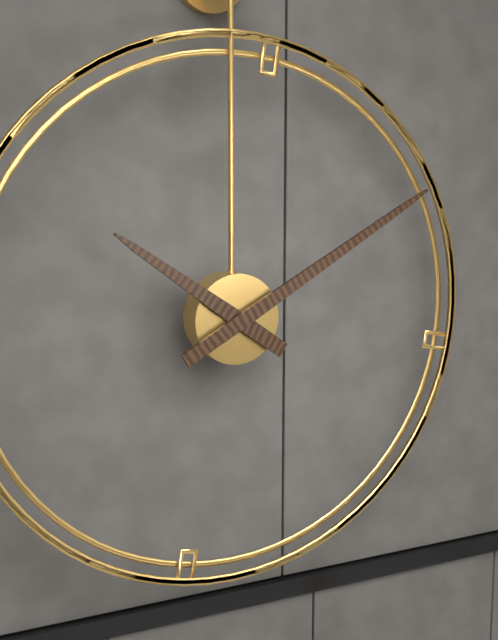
10:10
